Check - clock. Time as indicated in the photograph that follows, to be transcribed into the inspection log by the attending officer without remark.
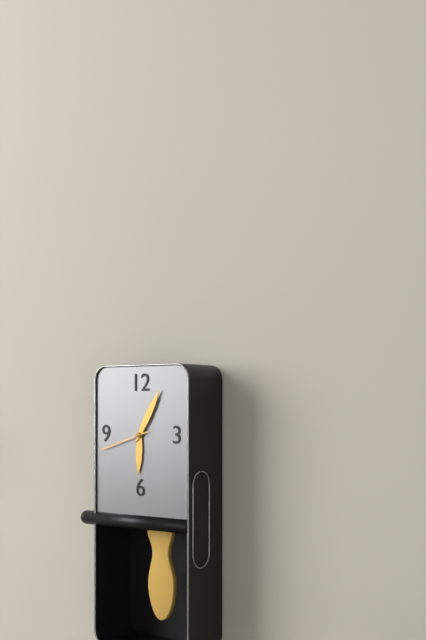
6:05:42
